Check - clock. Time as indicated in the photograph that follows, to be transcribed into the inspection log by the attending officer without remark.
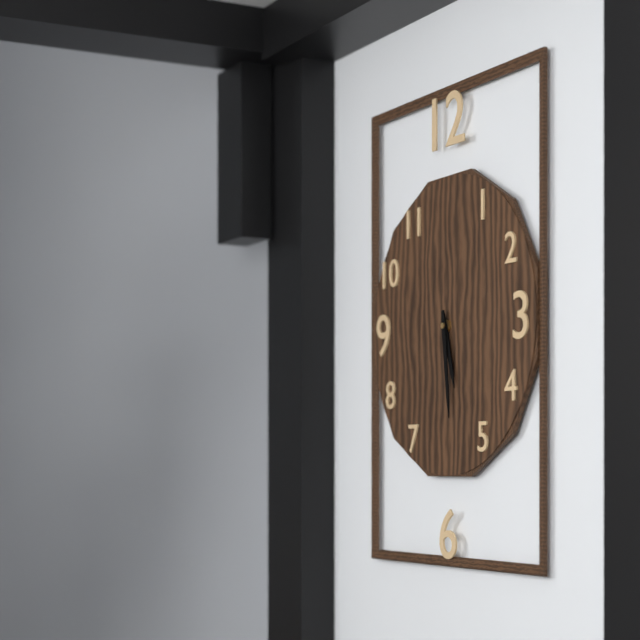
5:29
